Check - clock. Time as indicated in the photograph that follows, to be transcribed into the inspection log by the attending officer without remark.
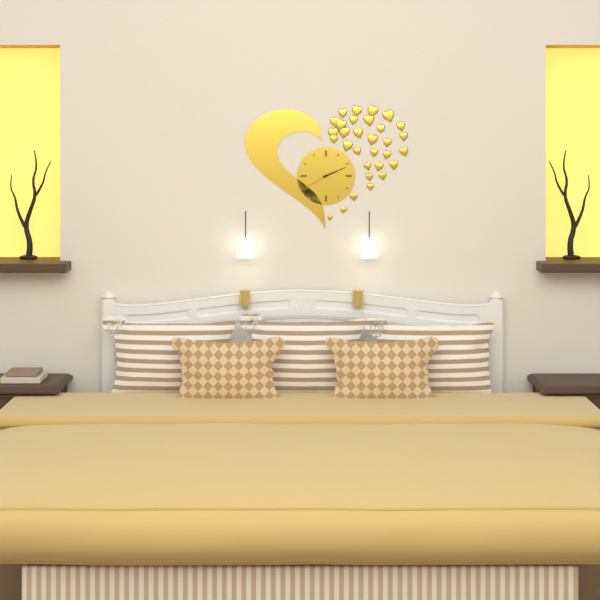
2:11
